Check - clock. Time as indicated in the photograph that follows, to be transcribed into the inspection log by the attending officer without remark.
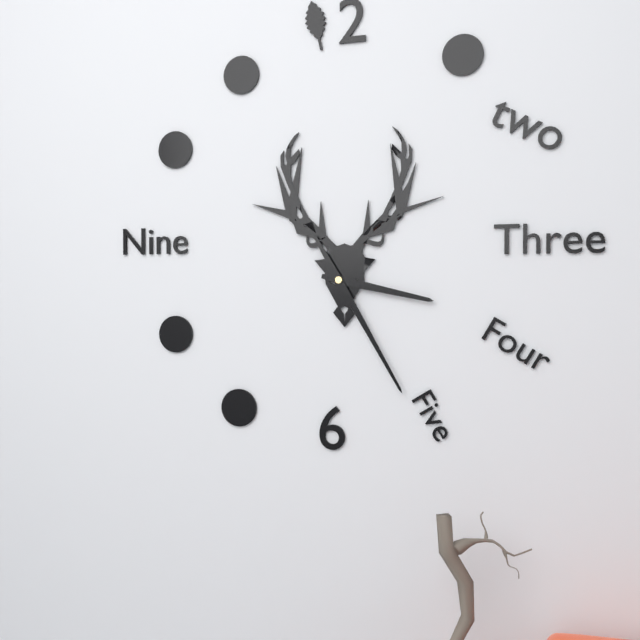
3:25
